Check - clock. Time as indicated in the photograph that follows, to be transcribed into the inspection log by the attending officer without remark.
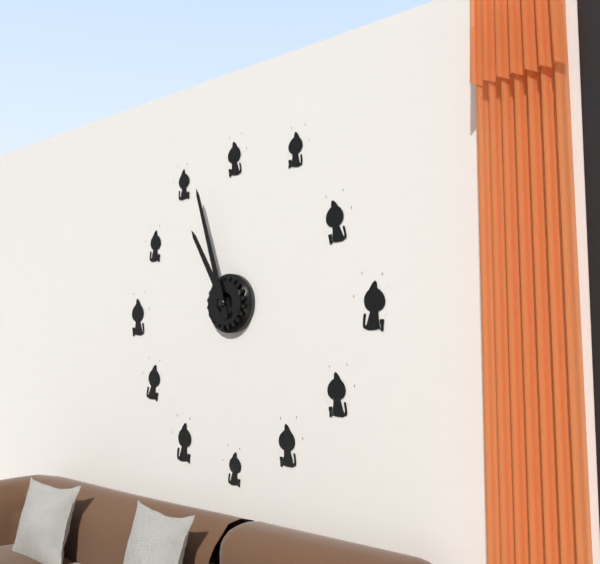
10:57
